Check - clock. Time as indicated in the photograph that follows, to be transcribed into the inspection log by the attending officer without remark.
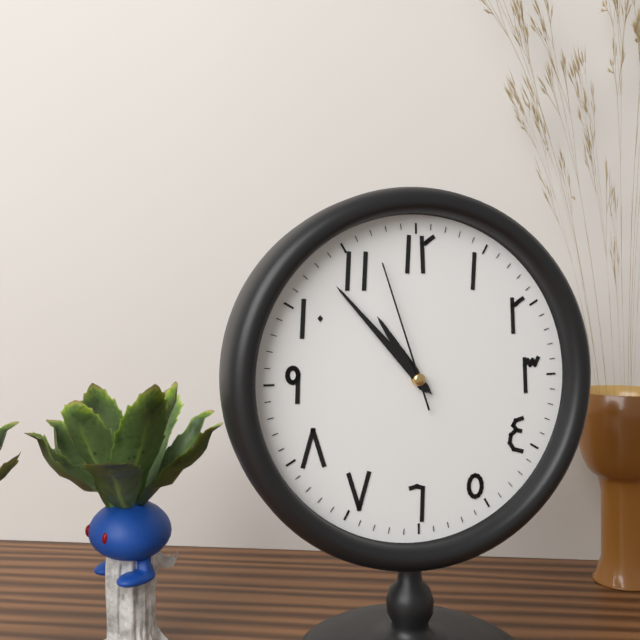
10:53:57
